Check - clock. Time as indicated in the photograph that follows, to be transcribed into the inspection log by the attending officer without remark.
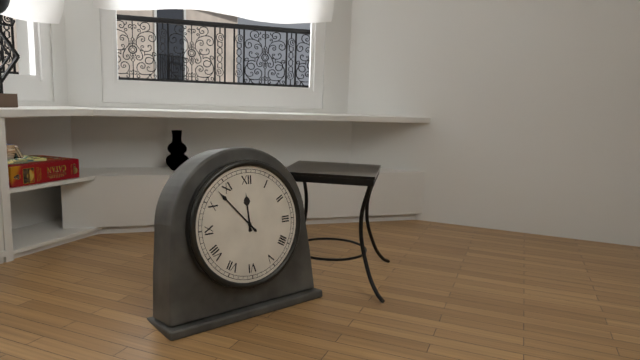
11:53
